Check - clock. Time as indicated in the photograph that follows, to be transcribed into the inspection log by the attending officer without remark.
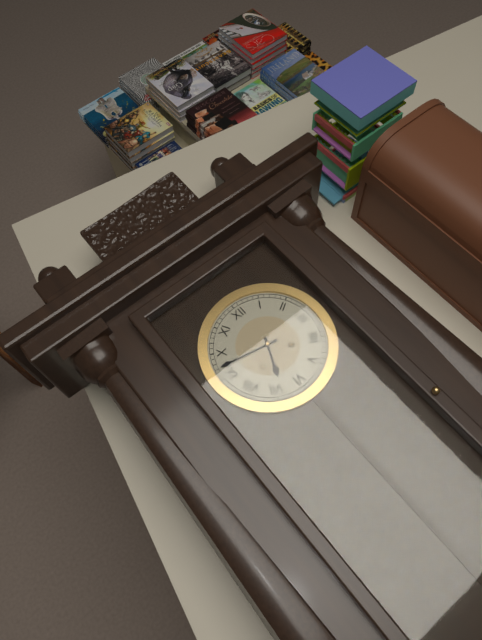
6:47
